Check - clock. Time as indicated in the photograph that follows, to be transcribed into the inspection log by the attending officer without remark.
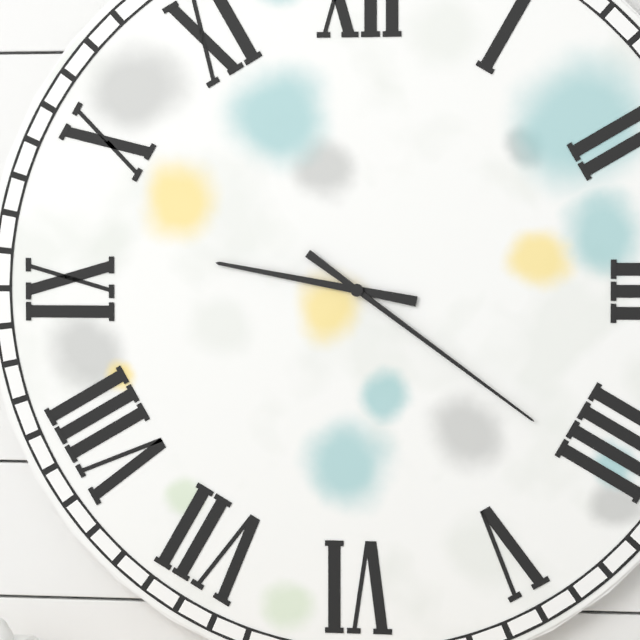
9:21
